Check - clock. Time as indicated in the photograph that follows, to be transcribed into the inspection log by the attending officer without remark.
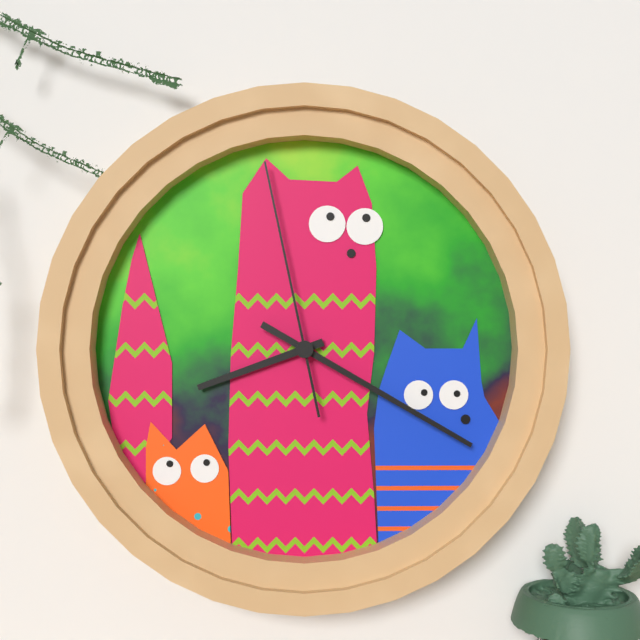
8:20:58
